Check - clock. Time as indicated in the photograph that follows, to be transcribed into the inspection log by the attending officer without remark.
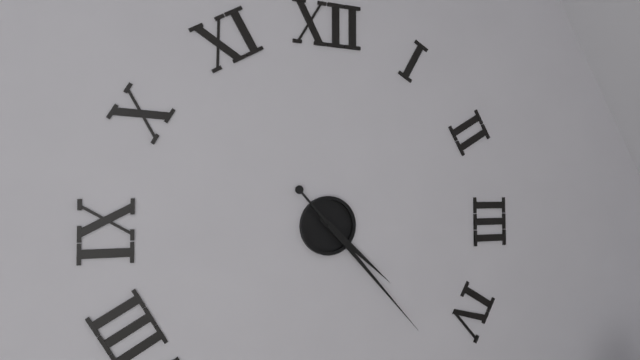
4:23
